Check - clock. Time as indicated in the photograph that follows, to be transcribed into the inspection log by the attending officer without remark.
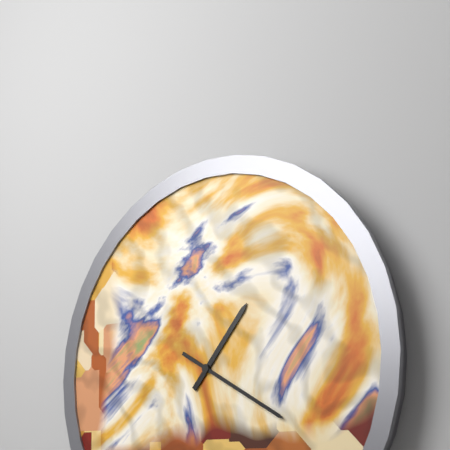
1:20
